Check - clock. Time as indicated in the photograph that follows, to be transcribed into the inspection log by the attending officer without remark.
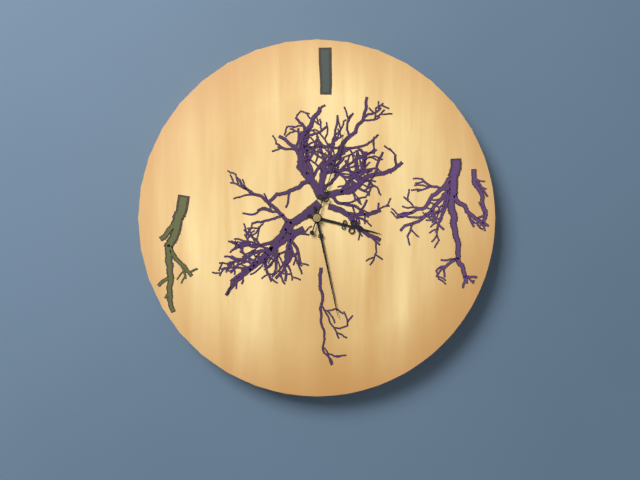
3:28:03
